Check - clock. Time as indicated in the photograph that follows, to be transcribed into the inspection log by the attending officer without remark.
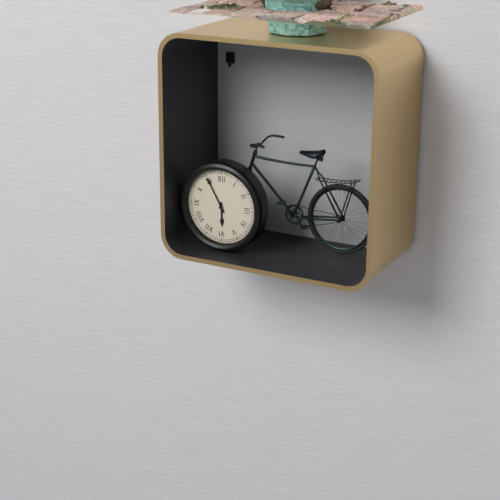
5:55
